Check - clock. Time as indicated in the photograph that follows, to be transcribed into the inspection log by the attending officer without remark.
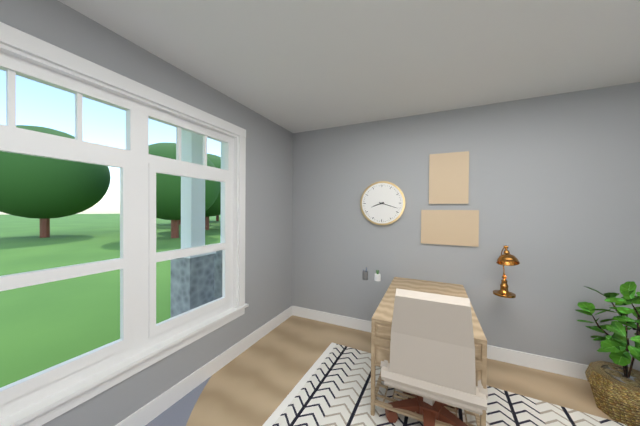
8:18
